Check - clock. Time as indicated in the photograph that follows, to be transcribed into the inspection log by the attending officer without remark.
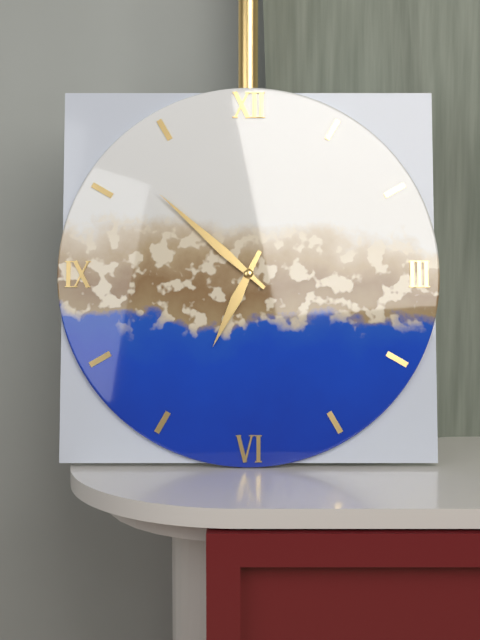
6:52
